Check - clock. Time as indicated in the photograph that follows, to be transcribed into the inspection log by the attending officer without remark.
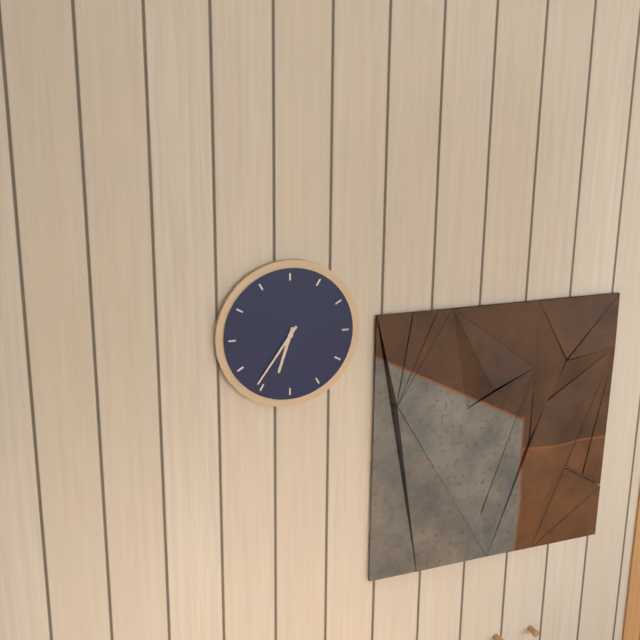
6:36
